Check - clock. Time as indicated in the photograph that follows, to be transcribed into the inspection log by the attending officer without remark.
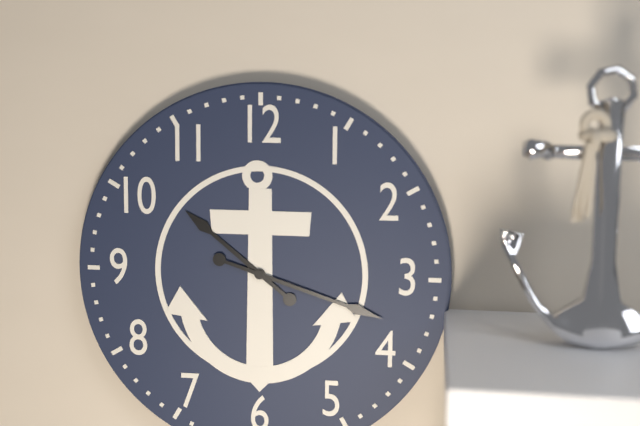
10:18
